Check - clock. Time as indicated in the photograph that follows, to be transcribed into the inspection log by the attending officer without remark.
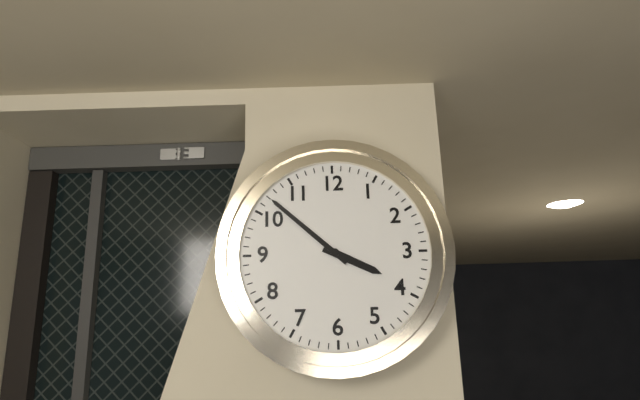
3:52
